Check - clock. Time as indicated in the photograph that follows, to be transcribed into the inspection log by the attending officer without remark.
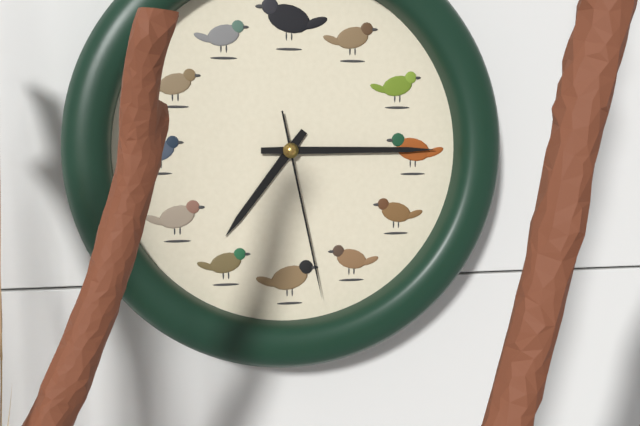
7:15:28
